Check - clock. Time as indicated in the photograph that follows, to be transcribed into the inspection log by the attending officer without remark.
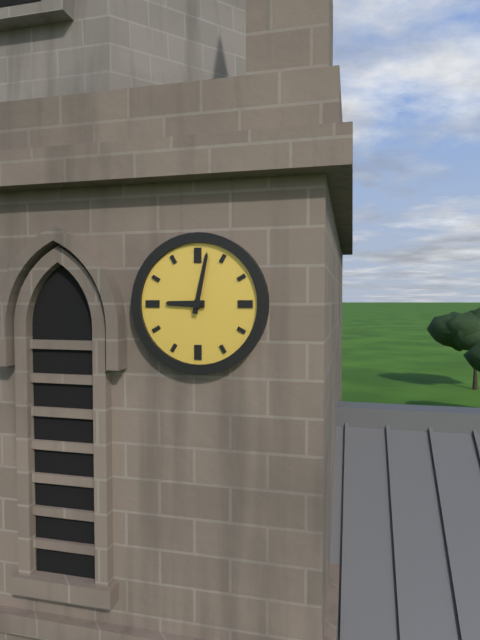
9:02
